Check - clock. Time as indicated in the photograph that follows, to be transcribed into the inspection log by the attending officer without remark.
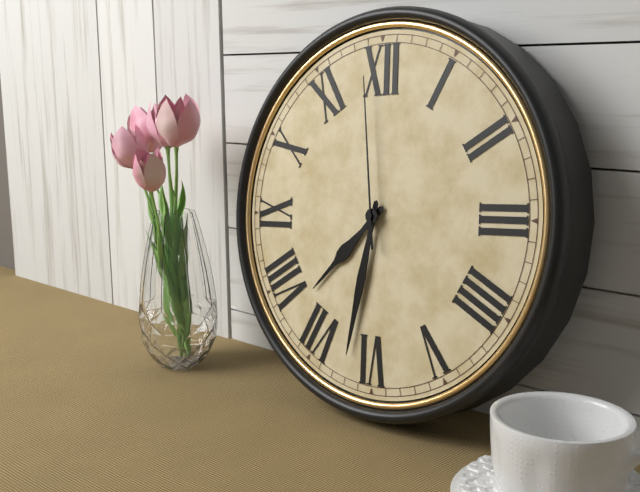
7:32:59
